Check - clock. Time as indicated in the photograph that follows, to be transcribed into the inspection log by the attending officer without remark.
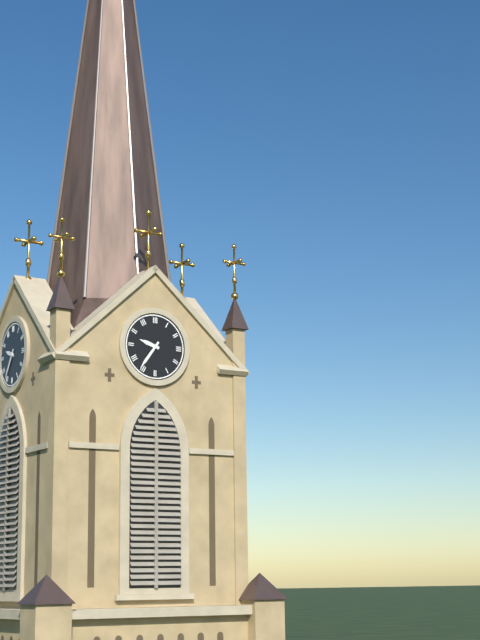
9:36
